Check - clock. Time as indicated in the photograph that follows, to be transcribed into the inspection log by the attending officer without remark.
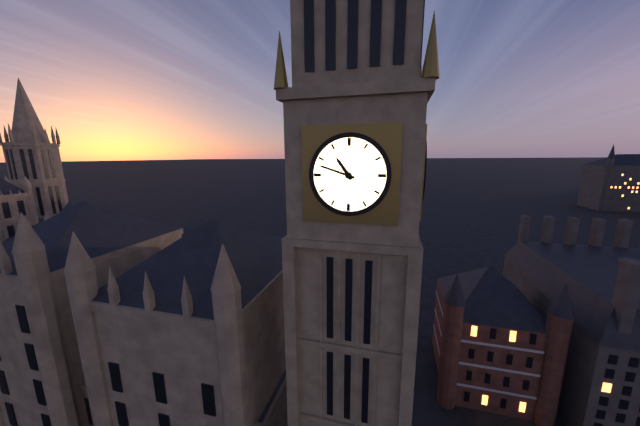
10:48
